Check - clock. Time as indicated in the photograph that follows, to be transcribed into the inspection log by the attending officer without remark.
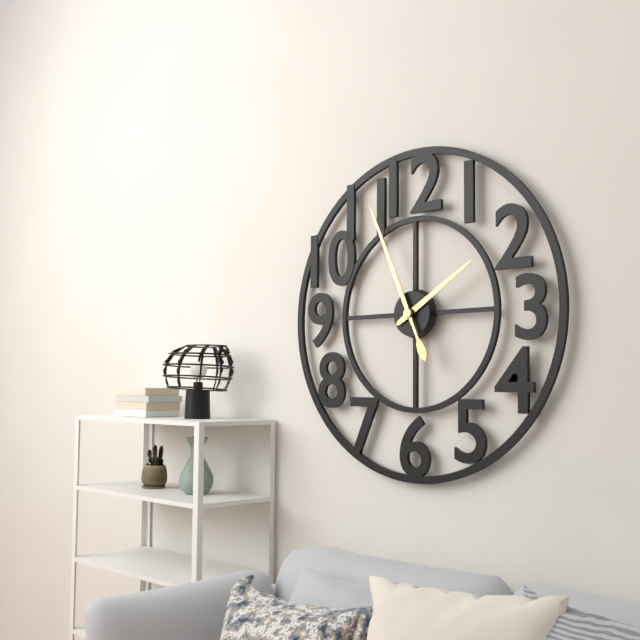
1:56
